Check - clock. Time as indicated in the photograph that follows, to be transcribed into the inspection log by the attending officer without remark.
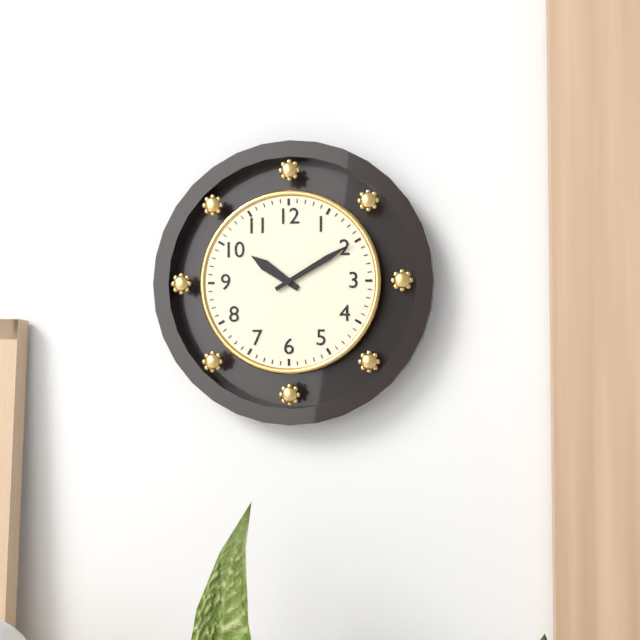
10:10
